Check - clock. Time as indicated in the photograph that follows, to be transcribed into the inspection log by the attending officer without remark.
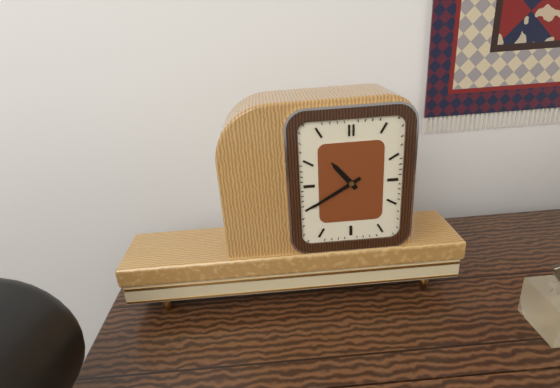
10:40
